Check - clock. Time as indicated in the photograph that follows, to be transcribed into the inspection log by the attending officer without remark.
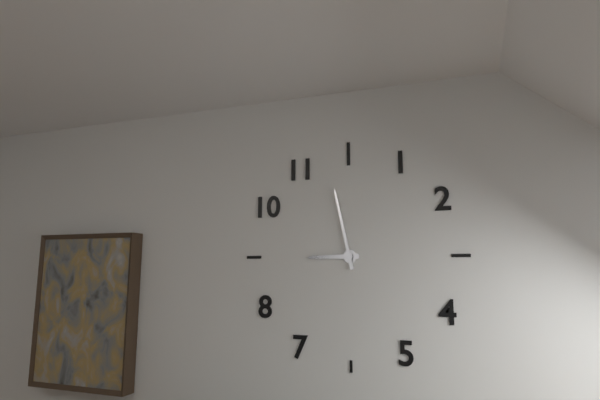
8:58
